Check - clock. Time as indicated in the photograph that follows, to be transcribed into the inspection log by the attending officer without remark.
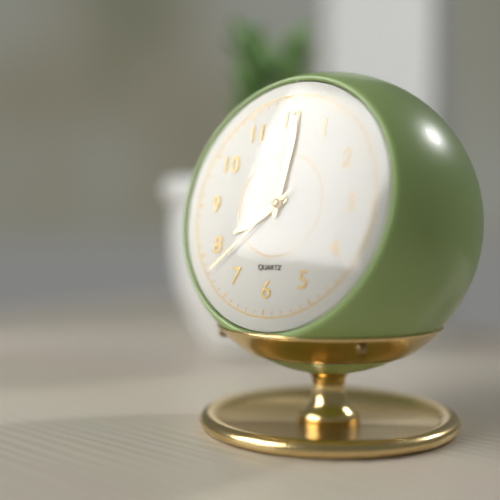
8:01:38
